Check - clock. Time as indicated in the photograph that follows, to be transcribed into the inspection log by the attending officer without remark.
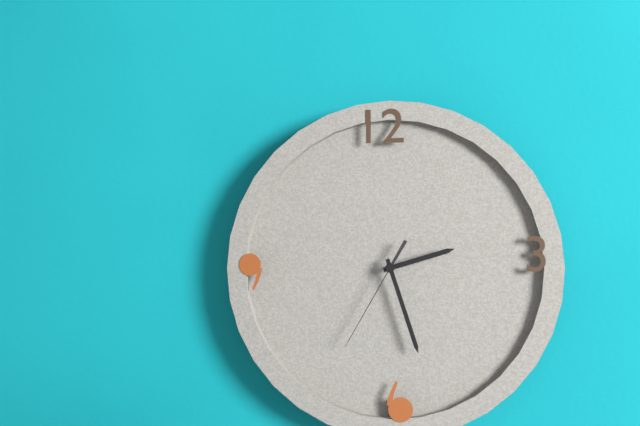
2:27:35
